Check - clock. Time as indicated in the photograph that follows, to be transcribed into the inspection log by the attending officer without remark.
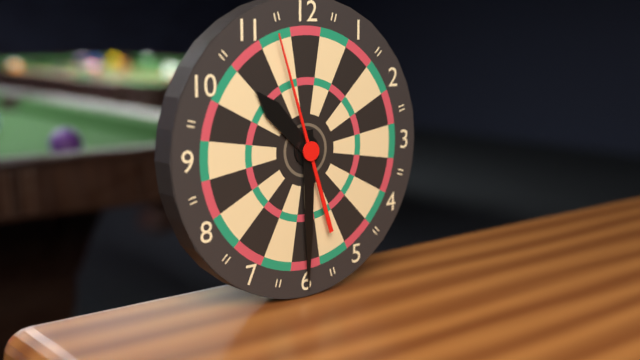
10:30:57
